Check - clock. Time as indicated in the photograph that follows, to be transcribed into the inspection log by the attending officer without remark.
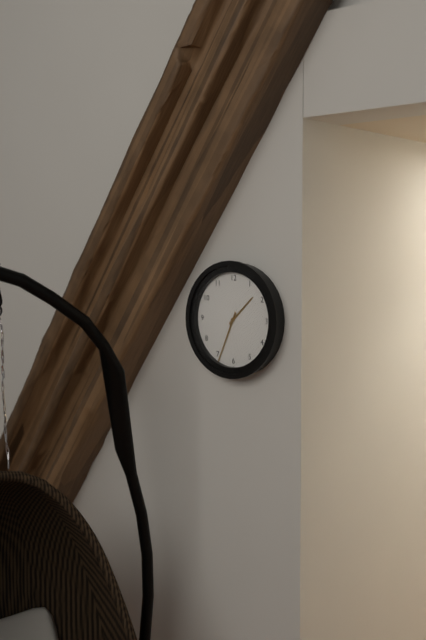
1:34
